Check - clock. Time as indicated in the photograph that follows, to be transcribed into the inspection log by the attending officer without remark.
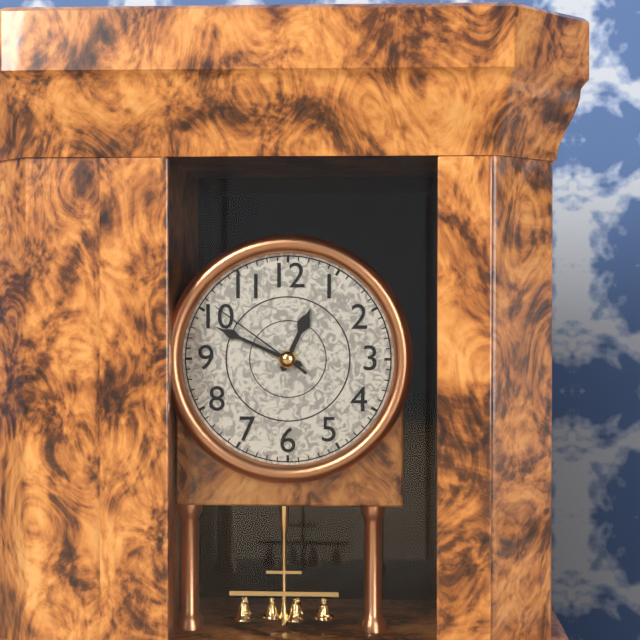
12:49:51
